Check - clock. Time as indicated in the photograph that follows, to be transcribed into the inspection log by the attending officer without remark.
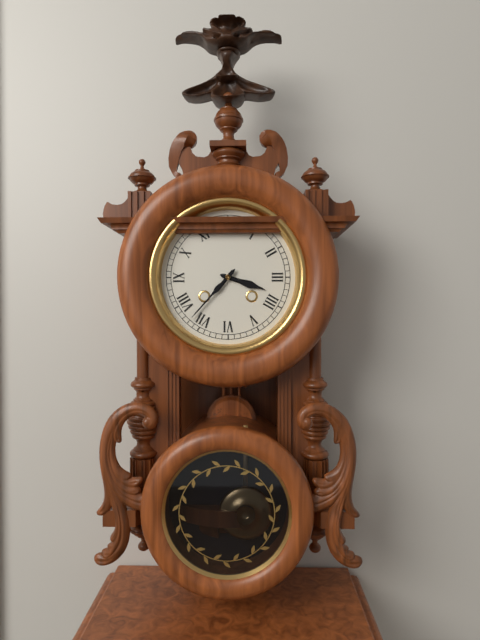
3:37
